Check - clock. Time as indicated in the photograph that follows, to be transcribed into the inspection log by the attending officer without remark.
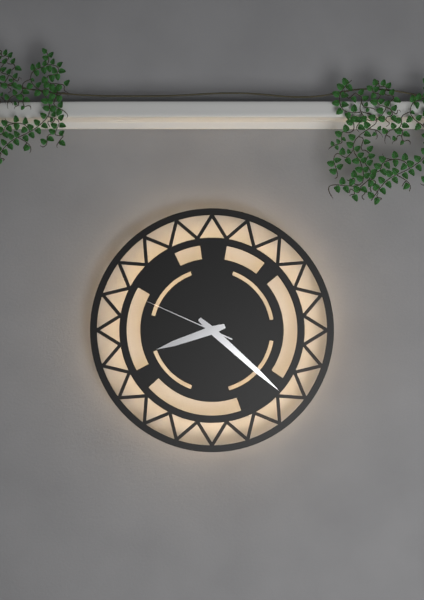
8:22:49
